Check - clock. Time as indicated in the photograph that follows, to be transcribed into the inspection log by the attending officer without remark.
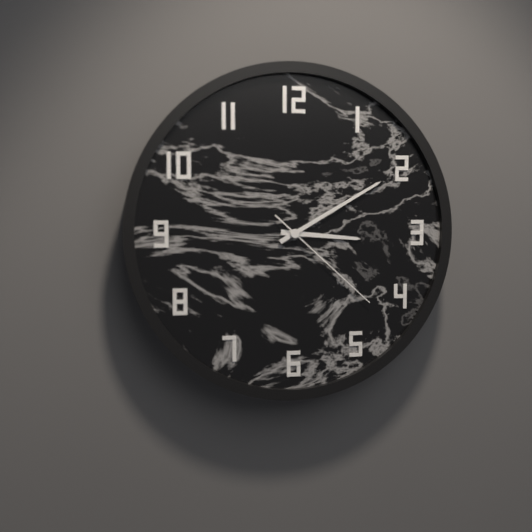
3:10:22
